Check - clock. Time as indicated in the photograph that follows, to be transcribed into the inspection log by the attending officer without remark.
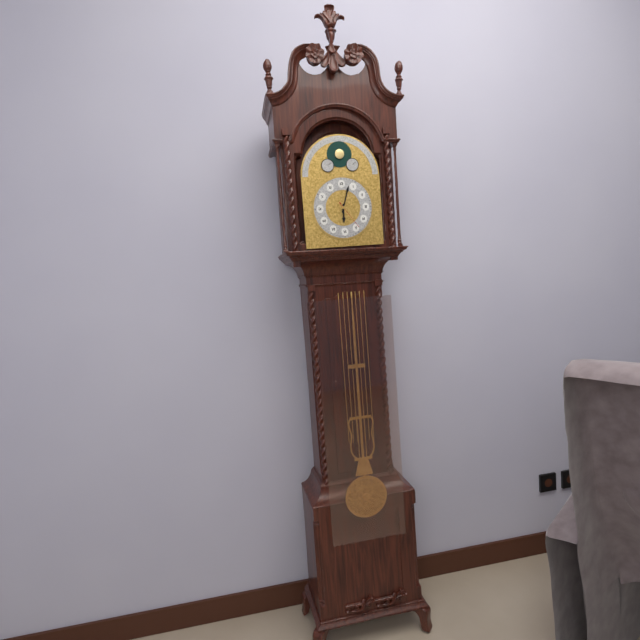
6:03
